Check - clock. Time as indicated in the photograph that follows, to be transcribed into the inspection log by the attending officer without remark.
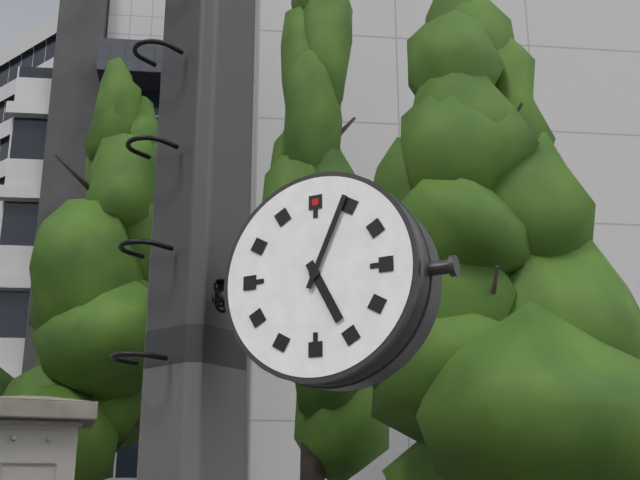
5:04
